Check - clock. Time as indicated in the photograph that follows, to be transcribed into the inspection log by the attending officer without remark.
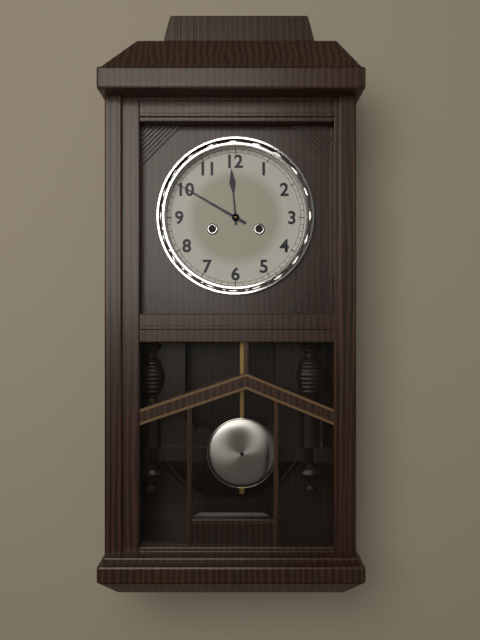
11:50
